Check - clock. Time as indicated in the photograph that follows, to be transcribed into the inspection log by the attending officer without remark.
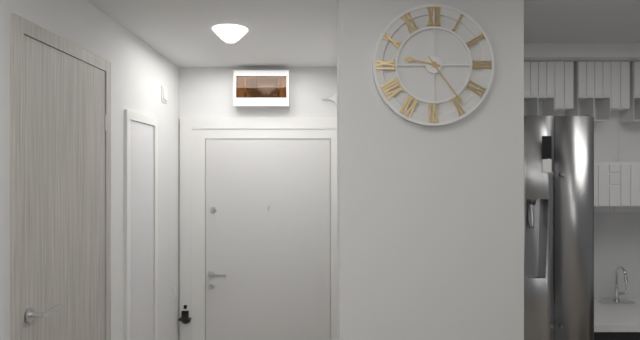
9:24
